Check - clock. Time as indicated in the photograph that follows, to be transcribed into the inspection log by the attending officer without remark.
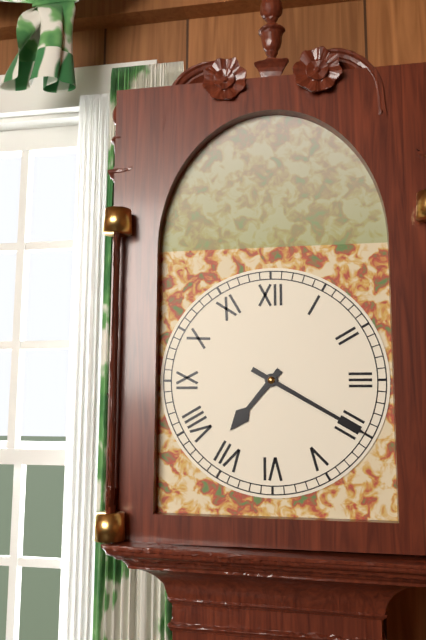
7:20
